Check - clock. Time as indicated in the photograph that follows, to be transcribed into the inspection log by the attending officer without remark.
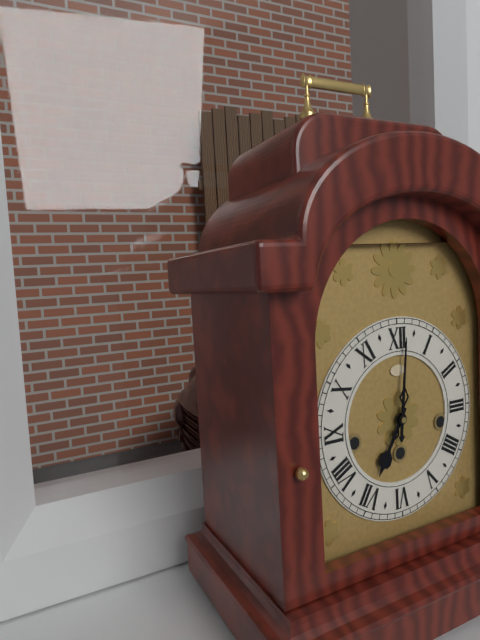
7:01
